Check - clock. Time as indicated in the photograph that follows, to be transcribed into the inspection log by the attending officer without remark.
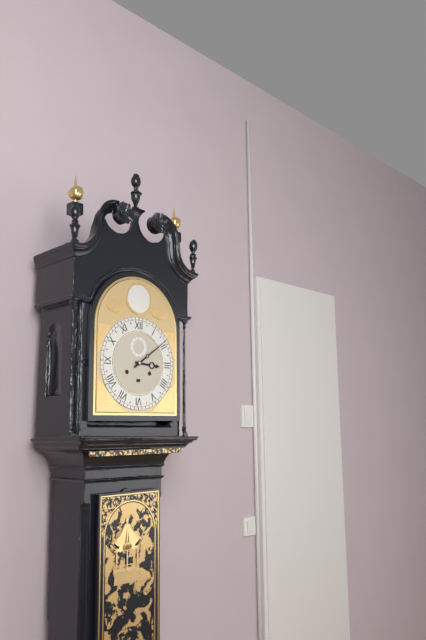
3:09
